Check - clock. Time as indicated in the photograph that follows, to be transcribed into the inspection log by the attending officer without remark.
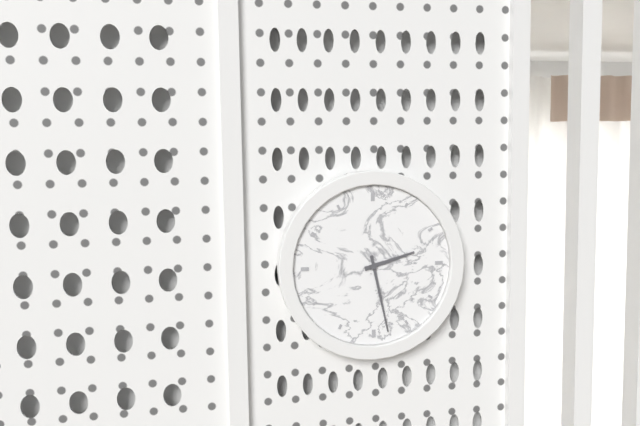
2:28
